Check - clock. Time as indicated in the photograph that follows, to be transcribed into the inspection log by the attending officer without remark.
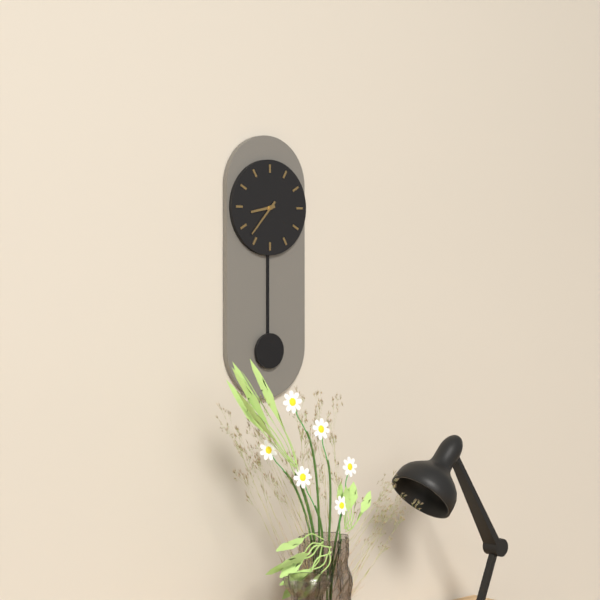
8:37
